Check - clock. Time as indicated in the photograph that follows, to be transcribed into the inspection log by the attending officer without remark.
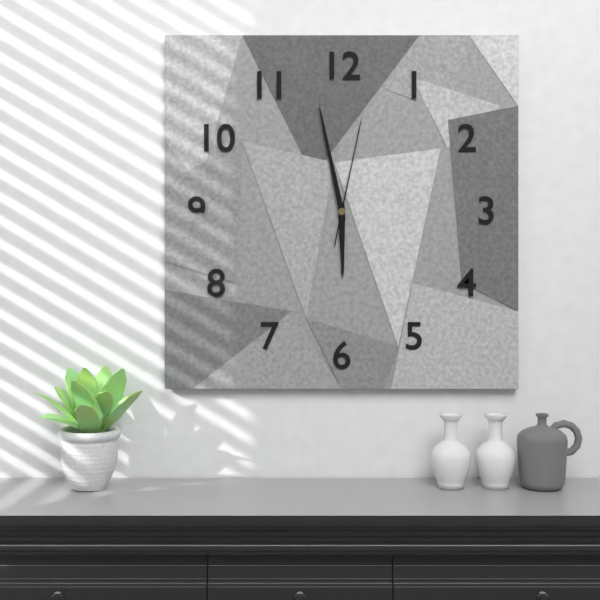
5:58:02
